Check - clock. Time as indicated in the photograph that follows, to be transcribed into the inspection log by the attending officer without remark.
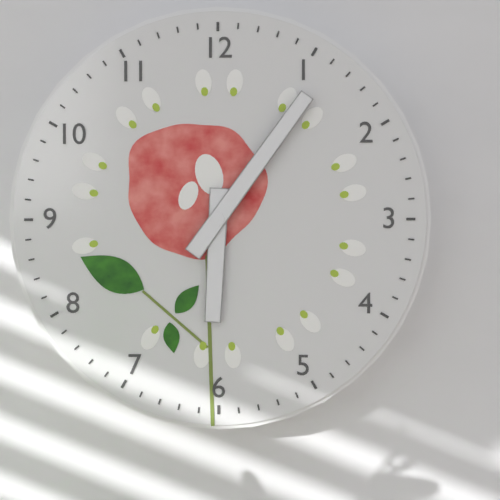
6:06
